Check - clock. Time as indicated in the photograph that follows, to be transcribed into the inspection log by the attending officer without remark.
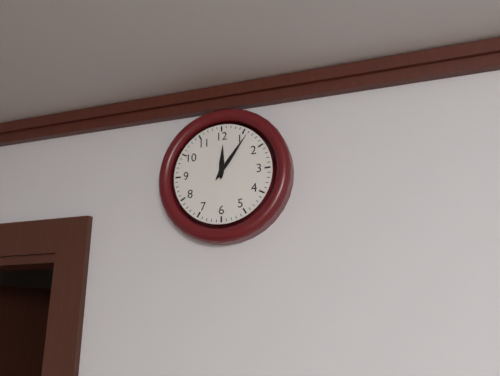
12:06
